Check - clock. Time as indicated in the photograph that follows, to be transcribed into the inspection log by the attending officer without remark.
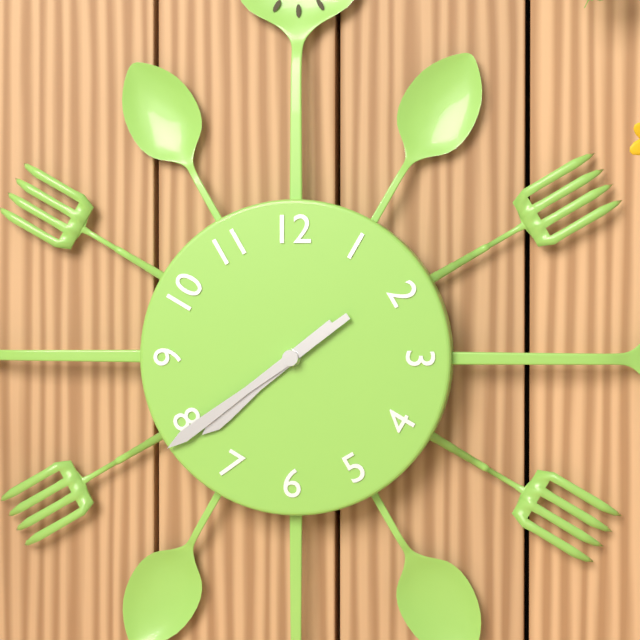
7:39
